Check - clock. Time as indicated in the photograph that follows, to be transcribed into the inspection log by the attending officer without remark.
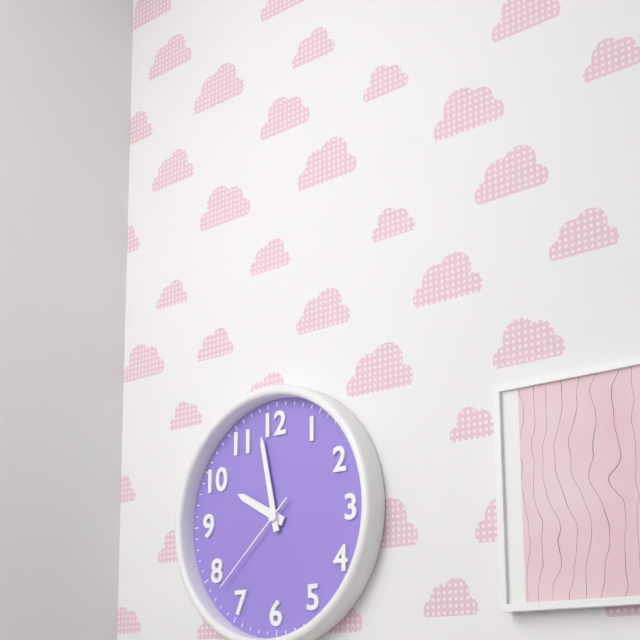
9:58:38
